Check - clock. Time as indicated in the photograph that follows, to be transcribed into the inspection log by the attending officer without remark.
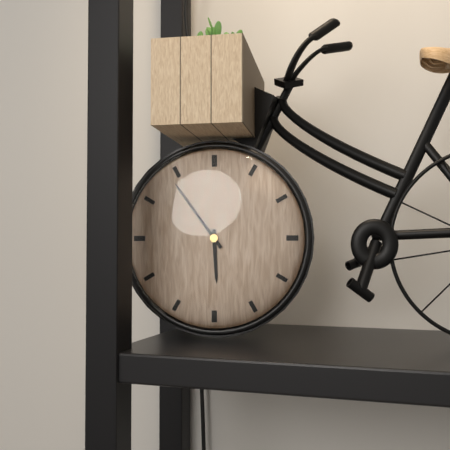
5:54
